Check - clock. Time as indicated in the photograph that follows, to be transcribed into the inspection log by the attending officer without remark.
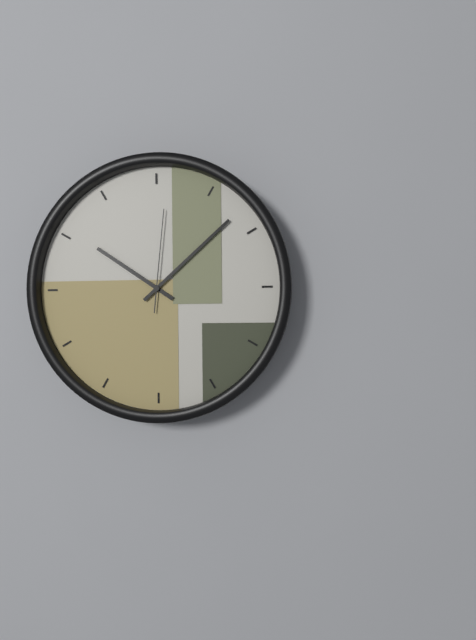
10:08:01
